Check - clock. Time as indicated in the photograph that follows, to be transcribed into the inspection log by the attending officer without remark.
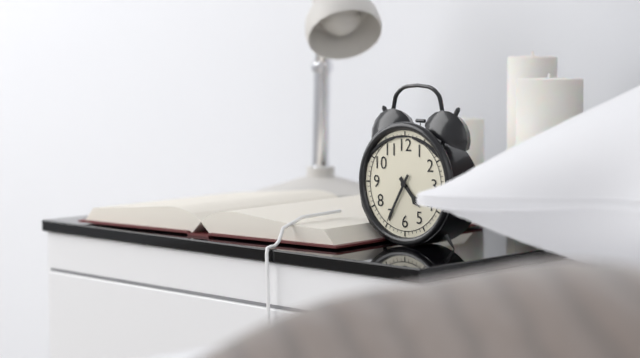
4:35
